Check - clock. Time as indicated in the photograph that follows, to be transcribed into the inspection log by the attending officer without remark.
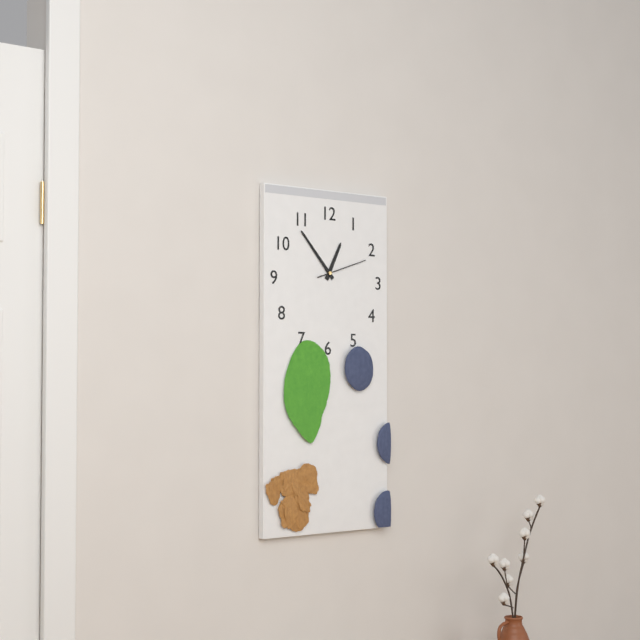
12:53
